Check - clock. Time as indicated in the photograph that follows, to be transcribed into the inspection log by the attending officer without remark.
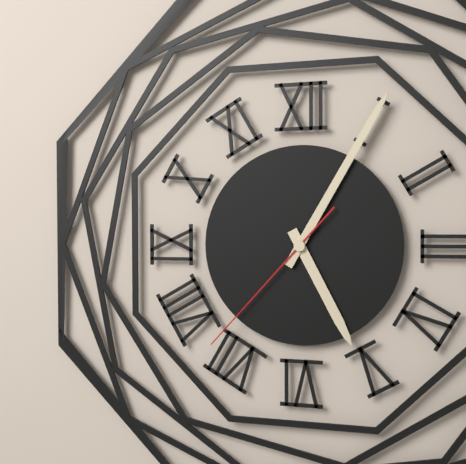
5:05:37
